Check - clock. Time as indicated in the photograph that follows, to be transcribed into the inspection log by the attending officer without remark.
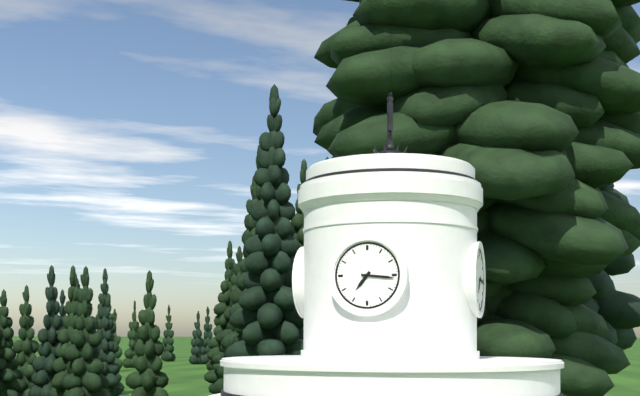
7:16
